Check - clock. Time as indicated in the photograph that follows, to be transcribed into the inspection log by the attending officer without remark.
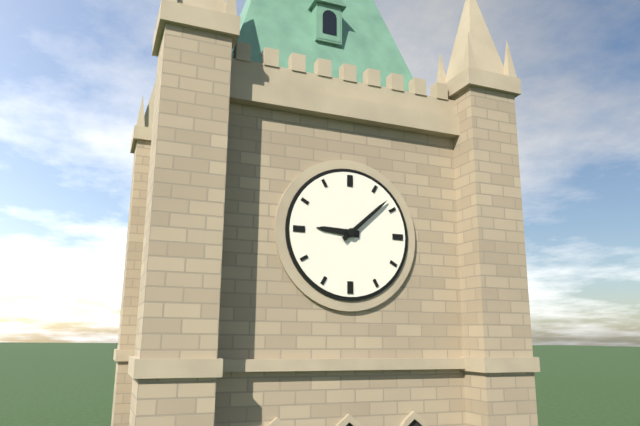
9:08
